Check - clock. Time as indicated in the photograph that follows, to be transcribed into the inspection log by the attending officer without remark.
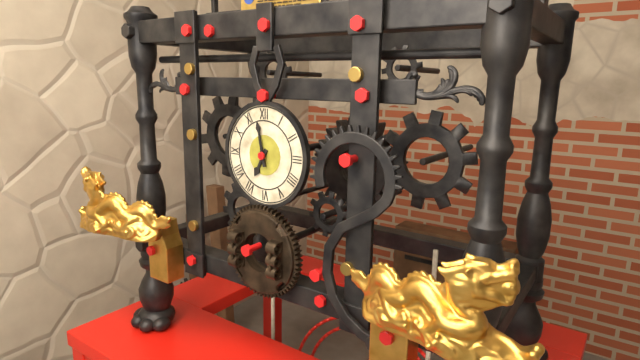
6:58
